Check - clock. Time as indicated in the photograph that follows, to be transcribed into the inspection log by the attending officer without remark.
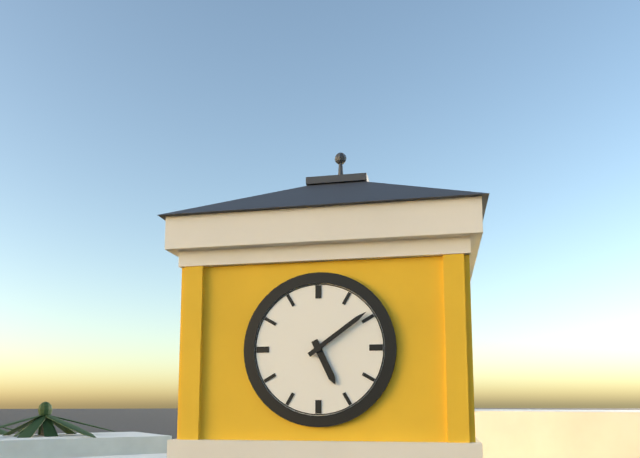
5:09
